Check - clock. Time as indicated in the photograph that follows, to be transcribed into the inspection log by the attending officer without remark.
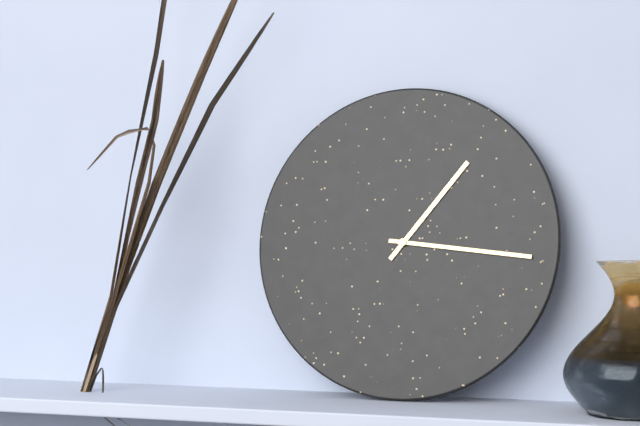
1:16
